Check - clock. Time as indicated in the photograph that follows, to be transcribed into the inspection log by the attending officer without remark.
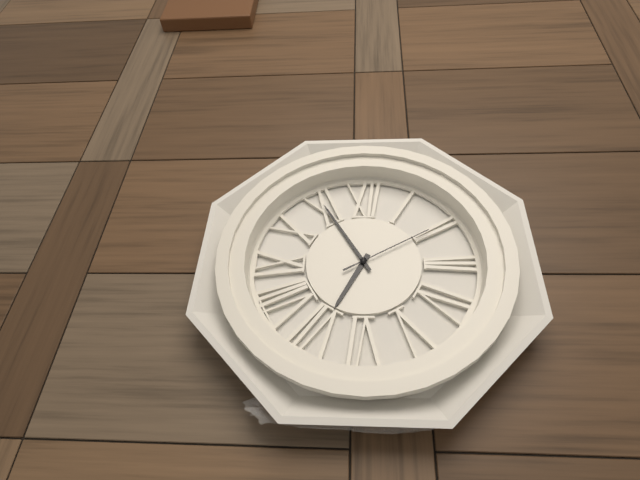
6:55:10
